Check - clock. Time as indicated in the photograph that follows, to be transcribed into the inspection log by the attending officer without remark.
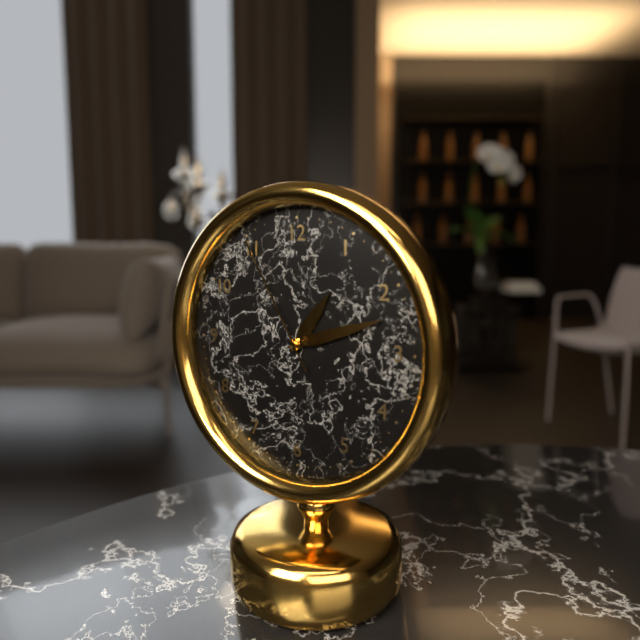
1:12:55
